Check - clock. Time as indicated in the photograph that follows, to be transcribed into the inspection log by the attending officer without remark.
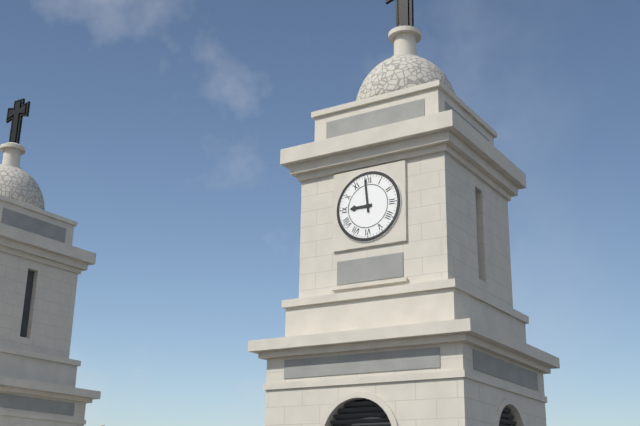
8:59
